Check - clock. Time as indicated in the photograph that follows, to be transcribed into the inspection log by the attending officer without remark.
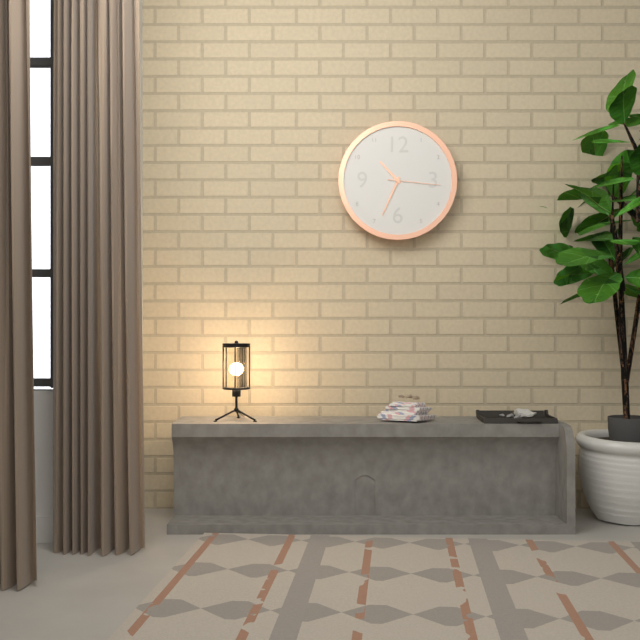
10:34:16
